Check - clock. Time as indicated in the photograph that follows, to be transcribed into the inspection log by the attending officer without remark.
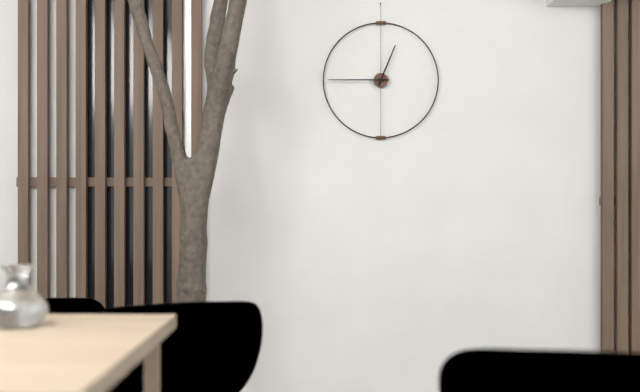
12:45
